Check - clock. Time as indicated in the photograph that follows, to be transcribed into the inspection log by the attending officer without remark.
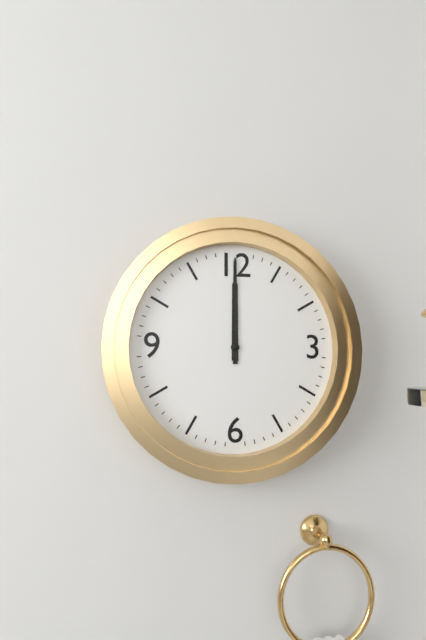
12:00
